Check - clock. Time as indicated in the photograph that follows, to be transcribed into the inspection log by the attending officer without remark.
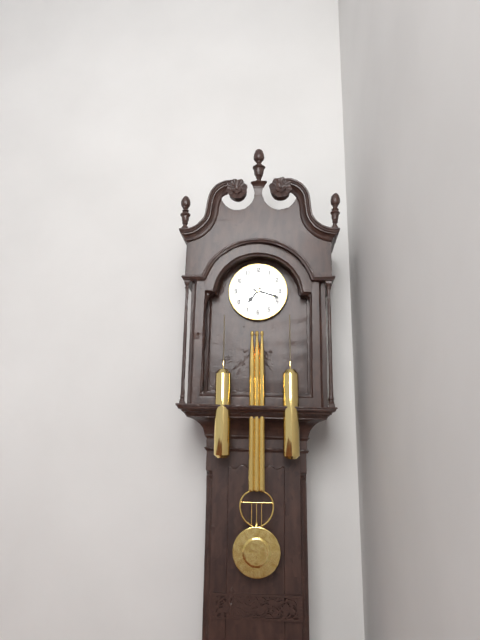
7:18
